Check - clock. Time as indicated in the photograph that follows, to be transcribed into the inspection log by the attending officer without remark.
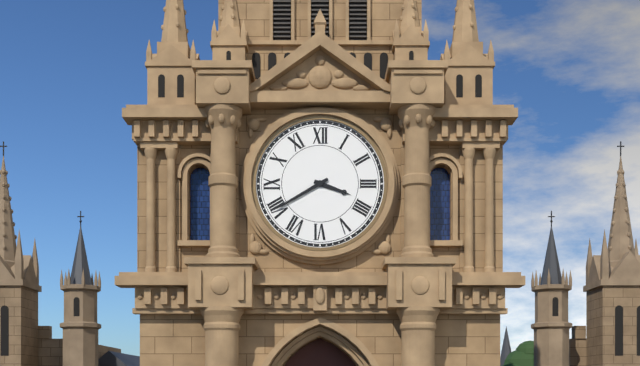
3:40
